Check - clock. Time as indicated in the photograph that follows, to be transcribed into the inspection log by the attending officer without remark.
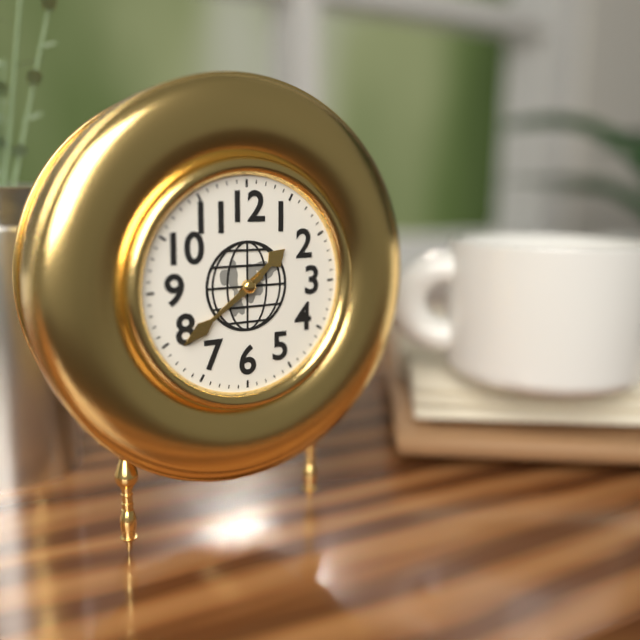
1:39
